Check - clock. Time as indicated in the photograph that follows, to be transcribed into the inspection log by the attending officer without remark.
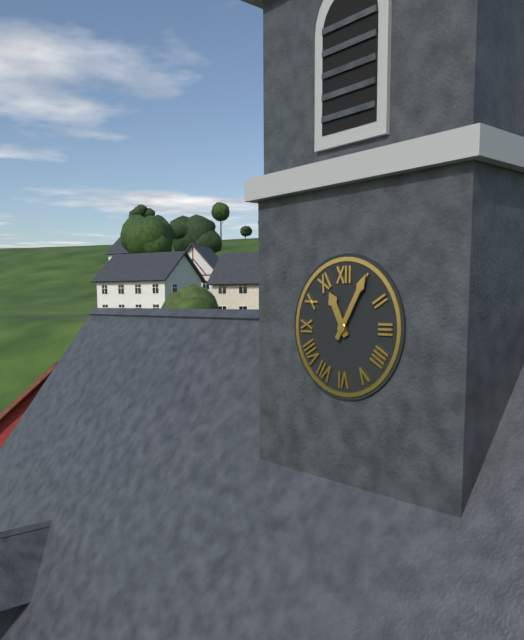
11:05
